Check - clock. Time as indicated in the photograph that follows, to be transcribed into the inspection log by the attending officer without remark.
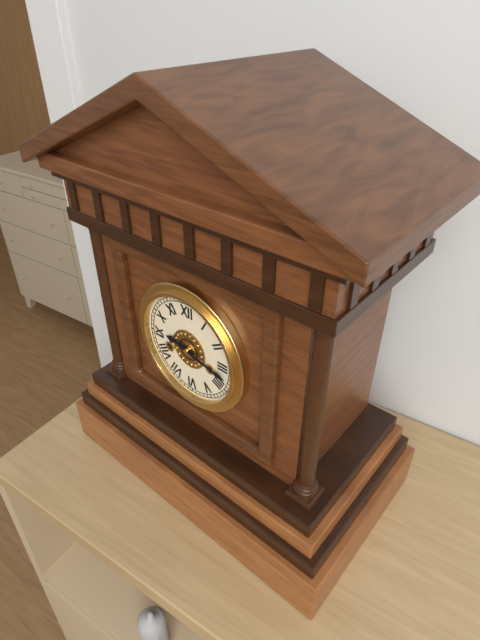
9:17
